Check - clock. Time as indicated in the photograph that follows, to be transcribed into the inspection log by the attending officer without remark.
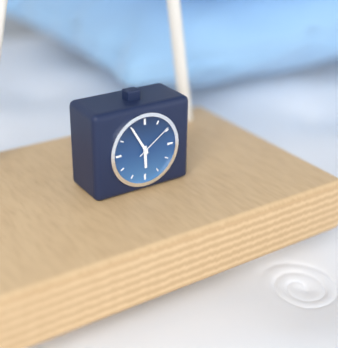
5:55
